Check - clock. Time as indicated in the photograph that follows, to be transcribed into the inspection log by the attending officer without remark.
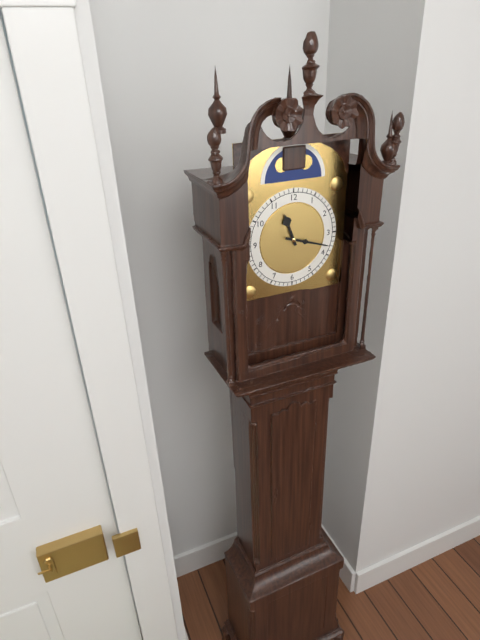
11:18
